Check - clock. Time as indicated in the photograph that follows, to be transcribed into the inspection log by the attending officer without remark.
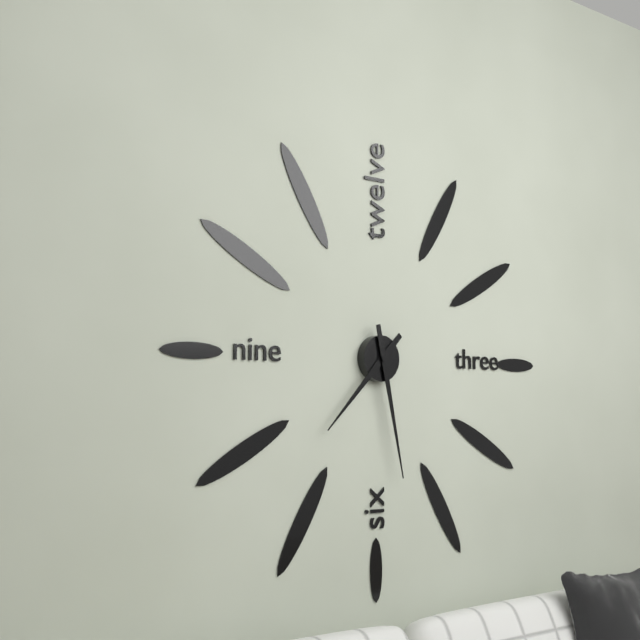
7:28
